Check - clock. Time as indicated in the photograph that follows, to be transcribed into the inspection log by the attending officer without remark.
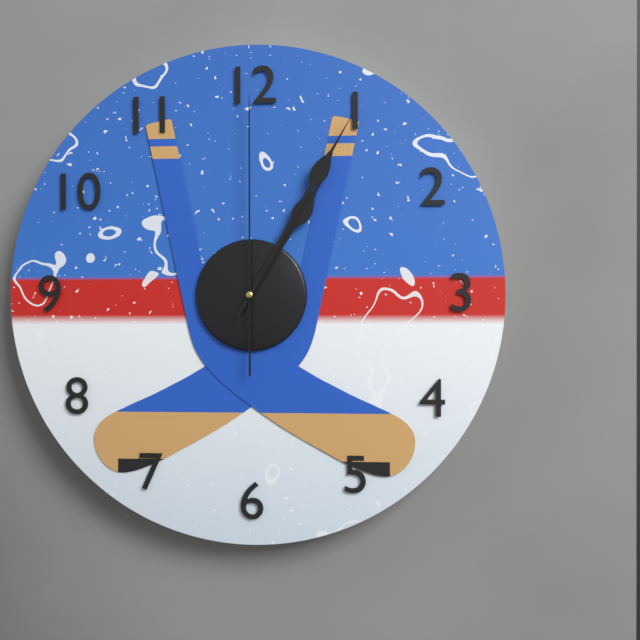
1:05:00
